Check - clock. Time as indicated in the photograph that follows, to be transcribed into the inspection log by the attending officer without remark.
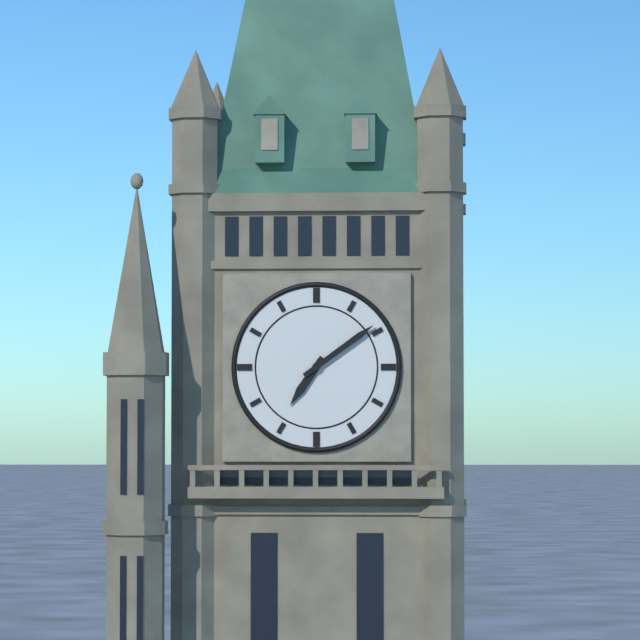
7:09
